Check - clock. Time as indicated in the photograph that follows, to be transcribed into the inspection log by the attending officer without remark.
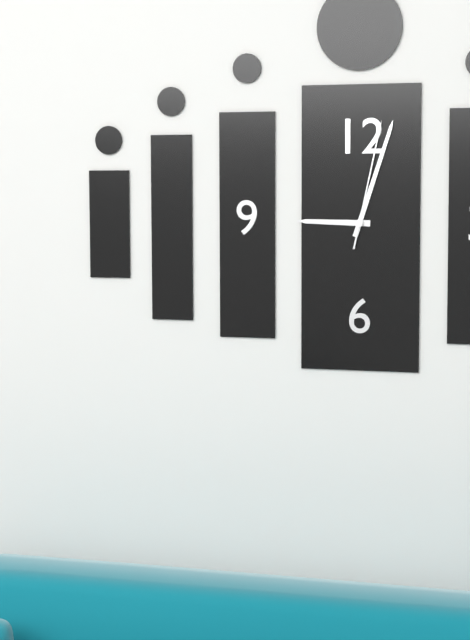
9:03:02
